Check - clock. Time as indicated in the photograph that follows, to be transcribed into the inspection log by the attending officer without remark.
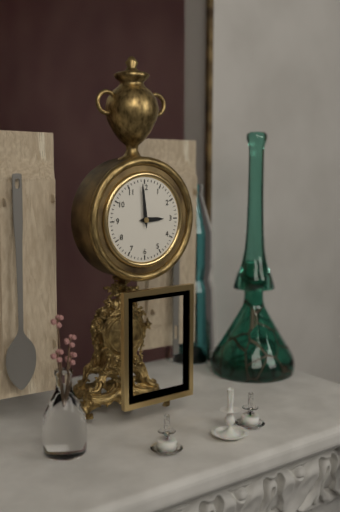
2:59
